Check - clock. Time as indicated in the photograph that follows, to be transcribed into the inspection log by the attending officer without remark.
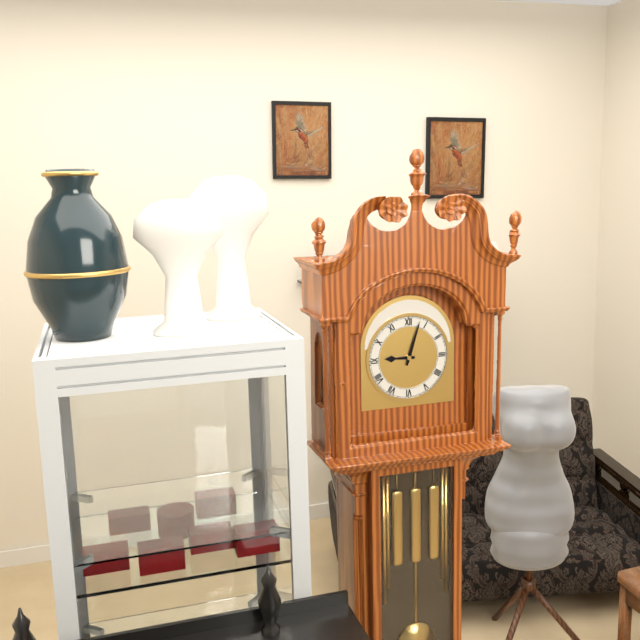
9:03
